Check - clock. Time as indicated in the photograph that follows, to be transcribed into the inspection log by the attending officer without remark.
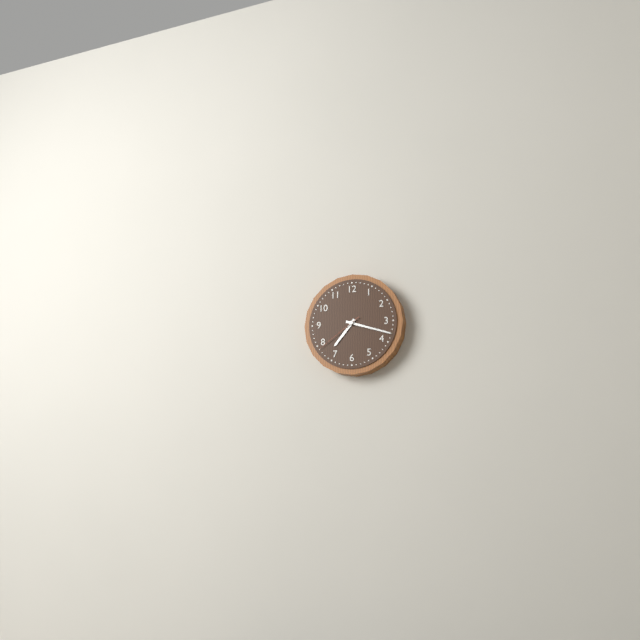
7:18:39
